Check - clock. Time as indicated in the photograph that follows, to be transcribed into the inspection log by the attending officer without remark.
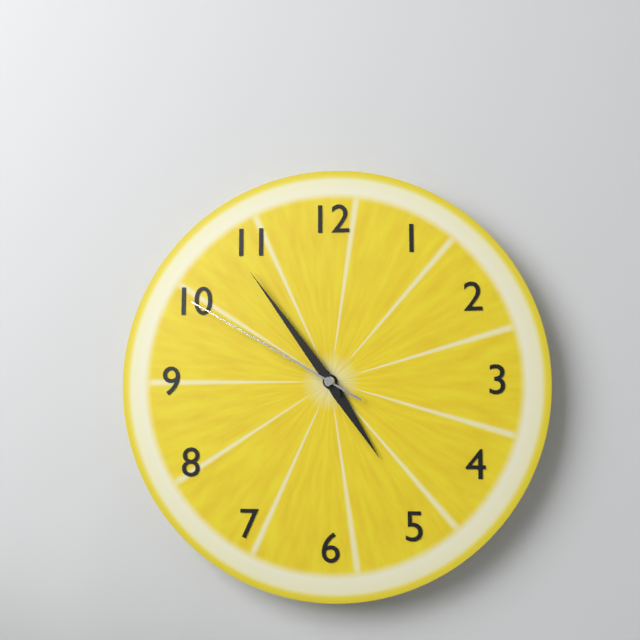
4:54:50
